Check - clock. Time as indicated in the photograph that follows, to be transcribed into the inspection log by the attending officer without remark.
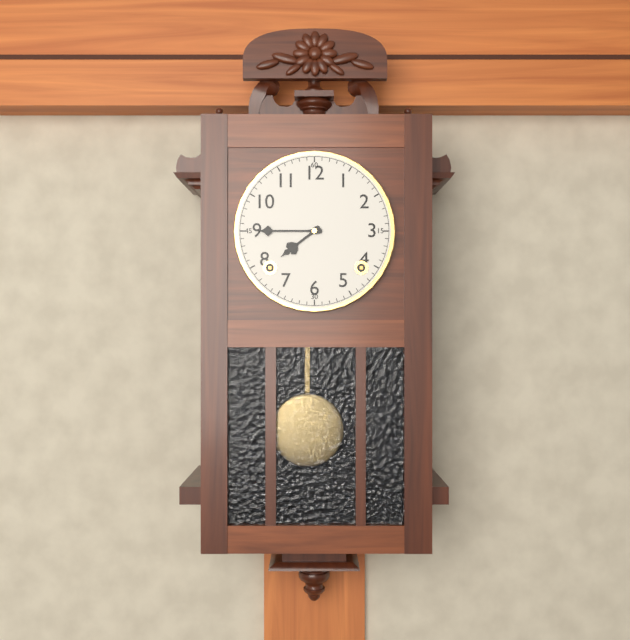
7:45
